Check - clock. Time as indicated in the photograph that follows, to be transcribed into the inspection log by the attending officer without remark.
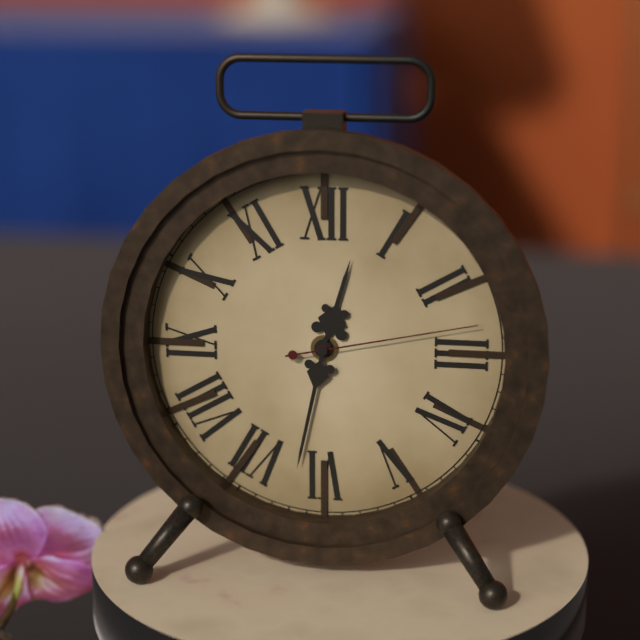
12:32:13
